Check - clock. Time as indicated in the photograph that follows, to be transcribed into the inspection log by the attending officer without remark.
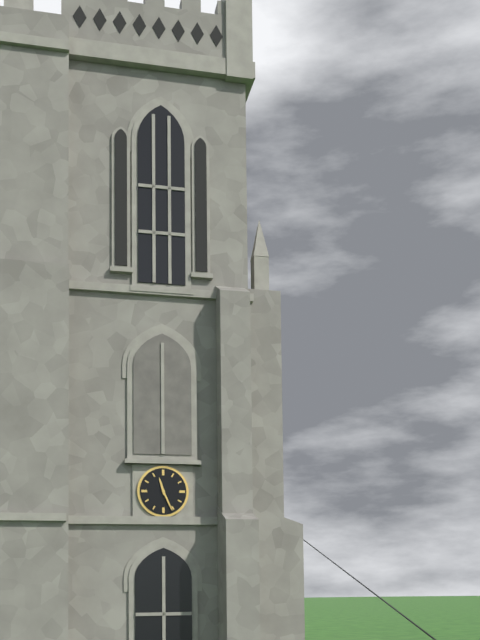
11:26
